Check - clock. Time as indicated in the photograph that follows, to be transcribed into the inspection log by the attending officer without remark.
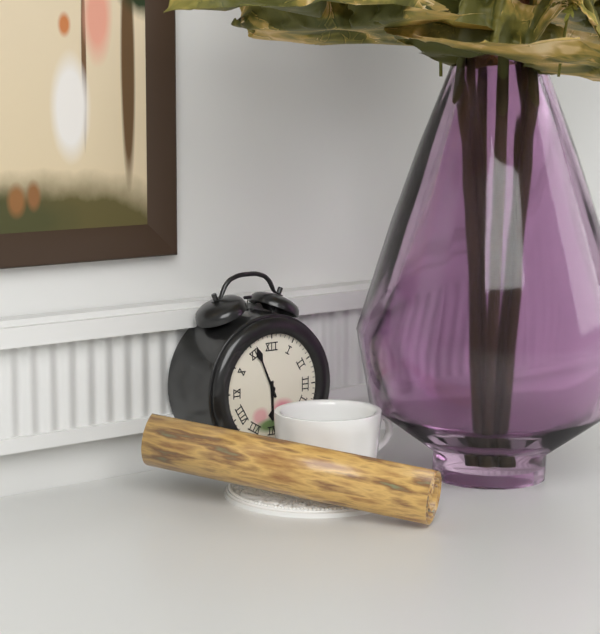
5:56
